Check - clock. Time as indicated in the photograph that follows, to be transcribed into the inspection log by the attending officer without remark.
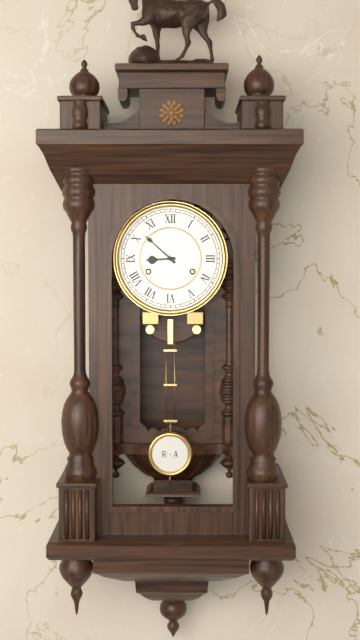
8:52
